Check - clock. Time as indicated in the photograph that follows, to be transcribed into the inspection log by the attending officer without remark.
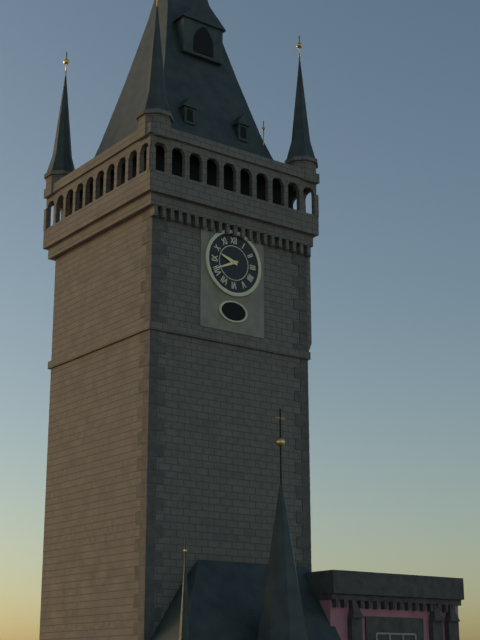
9:41
